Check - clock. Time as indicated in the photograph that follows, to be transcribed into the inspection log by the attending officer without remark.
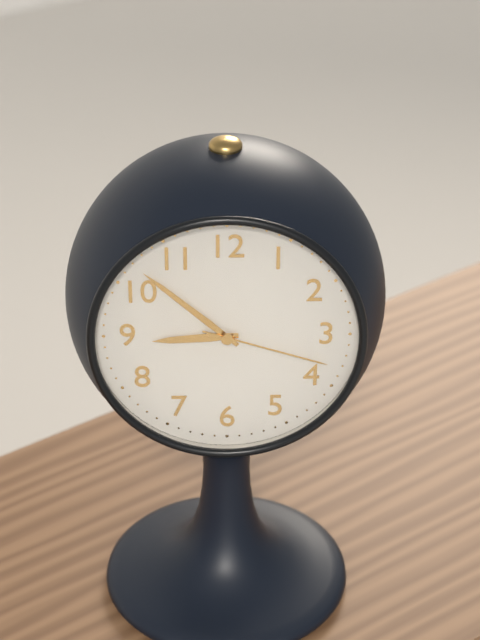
8:52:18
